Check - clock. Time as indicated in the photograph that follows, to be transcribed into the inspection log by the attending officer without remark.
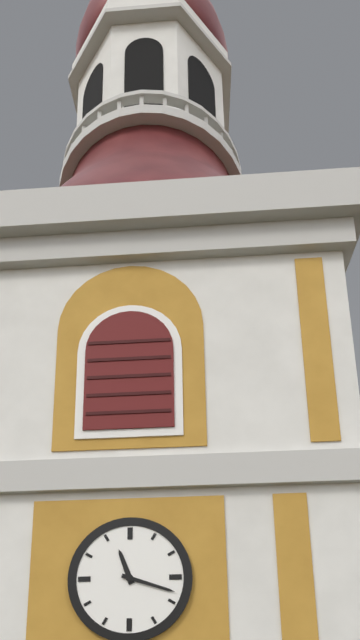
11:18
